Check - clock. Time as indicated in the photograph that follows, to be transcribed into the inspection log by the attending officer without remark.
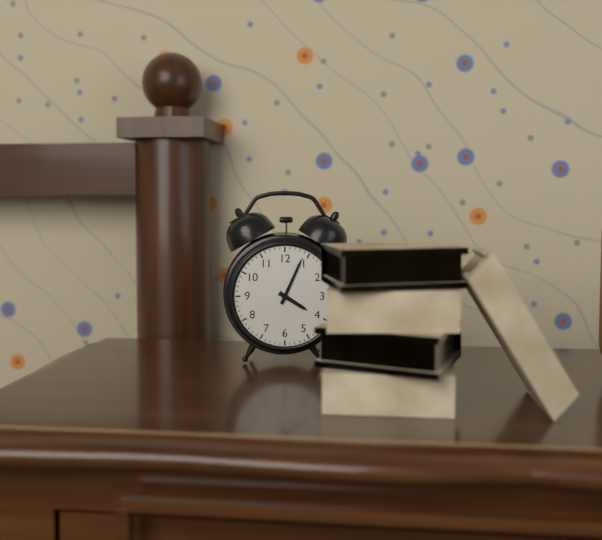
4:04
